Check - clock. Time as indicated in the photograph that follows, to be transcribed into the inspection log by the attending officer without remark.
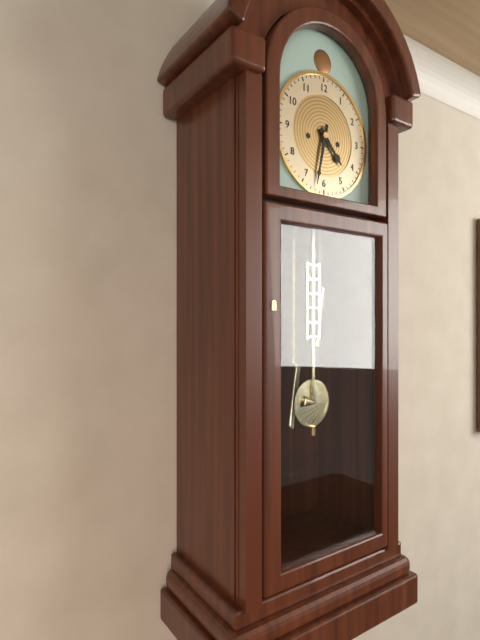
4:32
